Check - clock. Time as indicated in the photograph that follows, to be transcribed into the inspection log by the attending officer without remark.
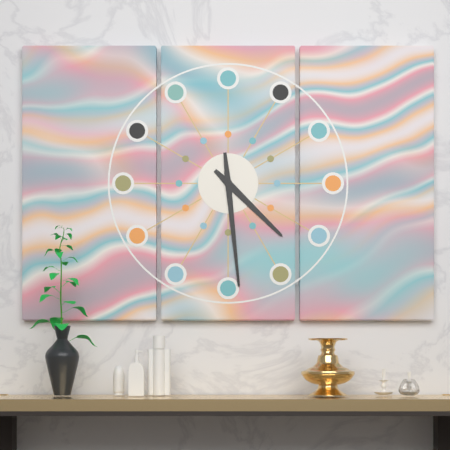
4:29
